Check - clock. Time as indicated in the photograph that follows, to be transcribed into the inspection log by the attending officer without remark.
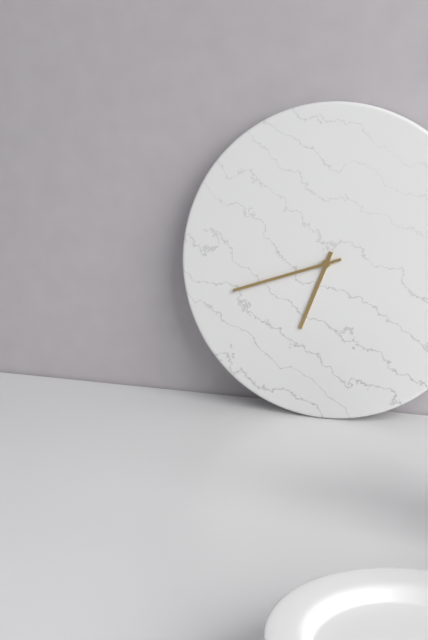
6:42
